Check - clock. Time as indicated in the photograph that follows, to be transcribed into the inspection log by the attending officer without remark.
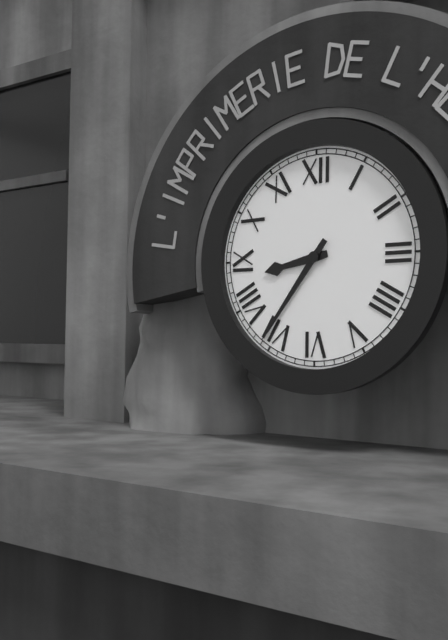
8:36
